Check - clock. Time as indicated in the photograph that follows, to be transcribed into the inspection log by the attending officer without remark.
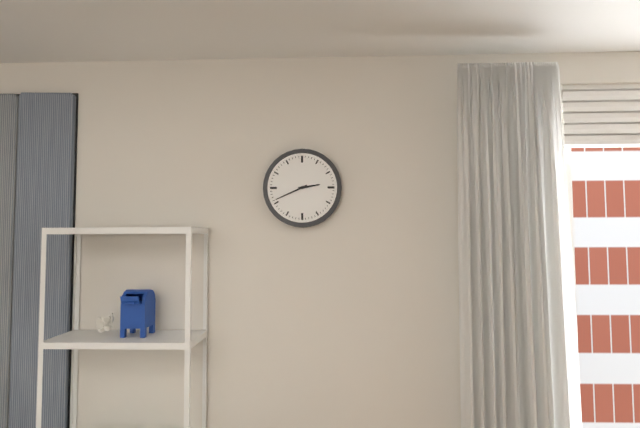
2:41
